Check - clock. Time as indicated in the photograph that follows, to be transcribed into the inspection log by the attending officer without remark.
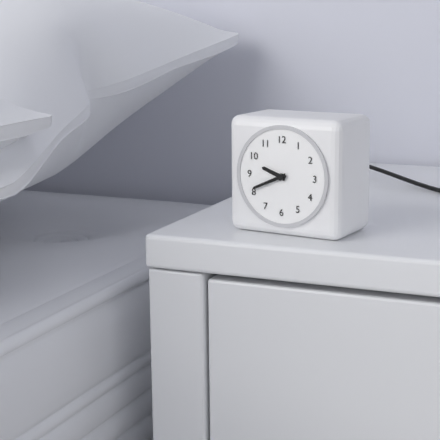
9:41
